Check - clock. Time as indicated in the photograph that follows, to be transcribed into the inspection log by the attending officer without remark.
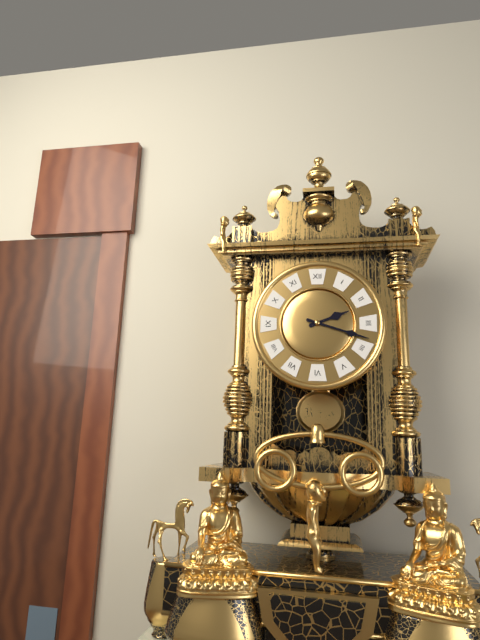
2:18
